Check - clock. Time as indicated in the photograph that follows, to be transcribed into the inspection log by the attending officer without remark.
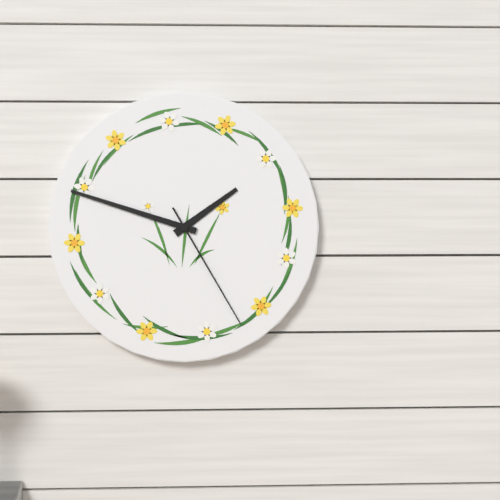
1:48:25
